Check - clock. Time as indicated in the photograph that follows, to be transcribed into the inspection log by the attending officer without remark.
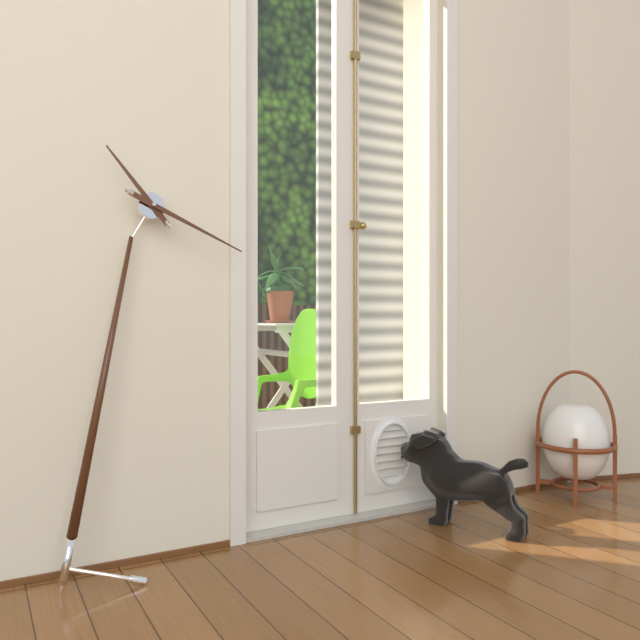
10:17
